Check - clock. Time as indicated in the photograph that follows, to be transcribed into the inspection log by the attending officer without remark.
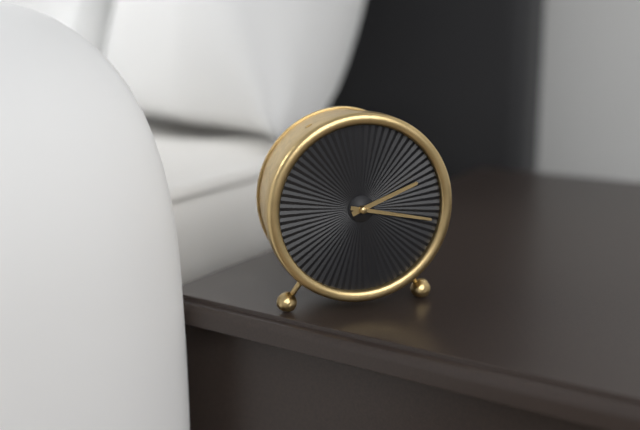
2:17
